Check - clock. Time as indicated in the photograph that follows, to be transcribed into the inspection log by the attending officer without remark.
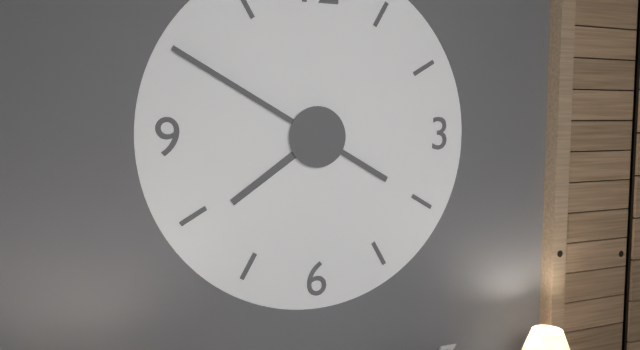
7:50
